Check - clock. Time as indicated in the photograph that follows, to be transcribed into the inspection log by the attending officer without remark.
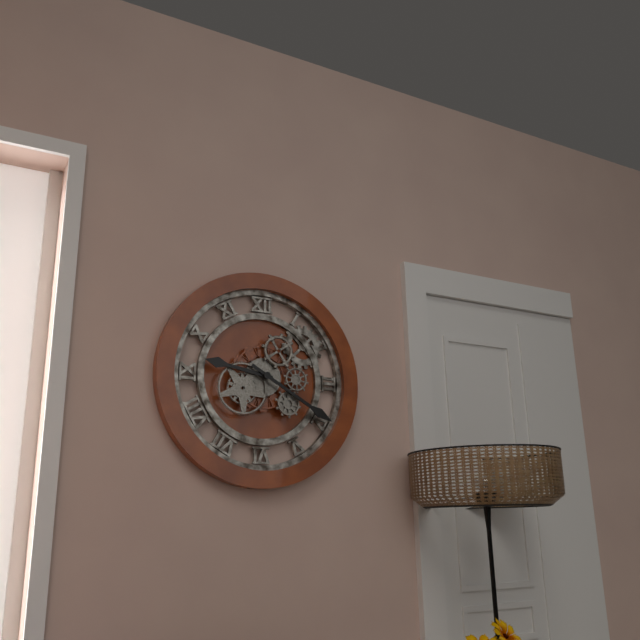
9:20
